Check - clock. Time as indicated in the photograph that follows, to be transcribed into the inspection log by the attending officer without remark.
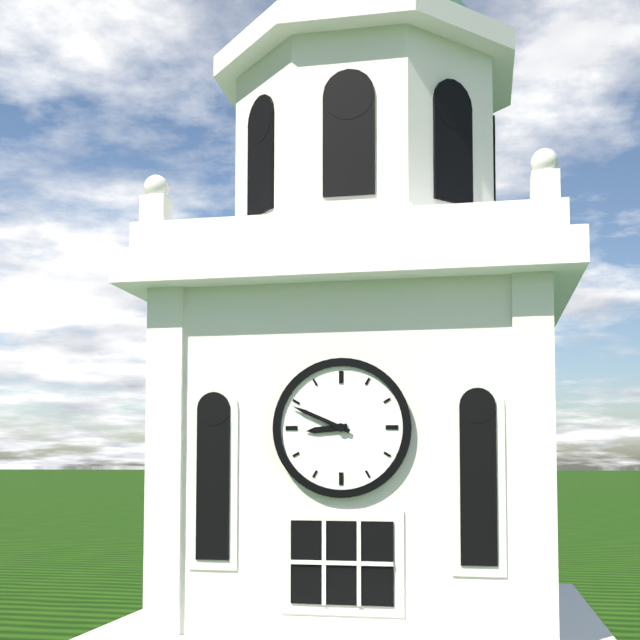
8:49
